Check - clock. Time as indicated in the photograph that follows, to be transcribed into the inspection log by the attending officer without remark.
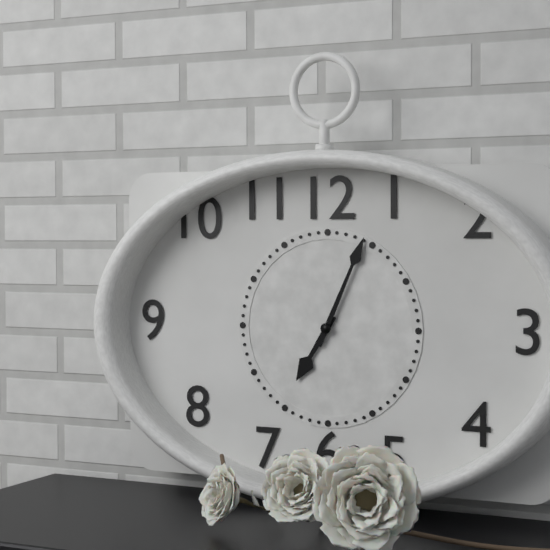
7:04
